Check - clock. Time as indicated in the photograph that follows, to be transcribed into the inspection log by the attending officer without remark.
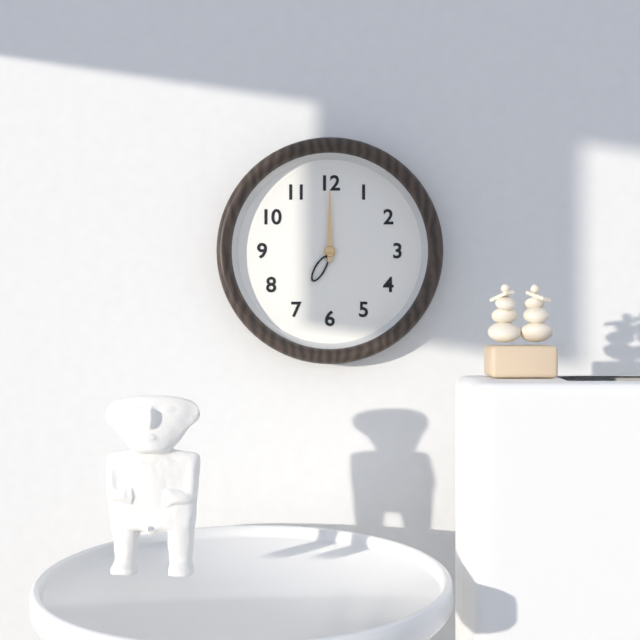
7:00
